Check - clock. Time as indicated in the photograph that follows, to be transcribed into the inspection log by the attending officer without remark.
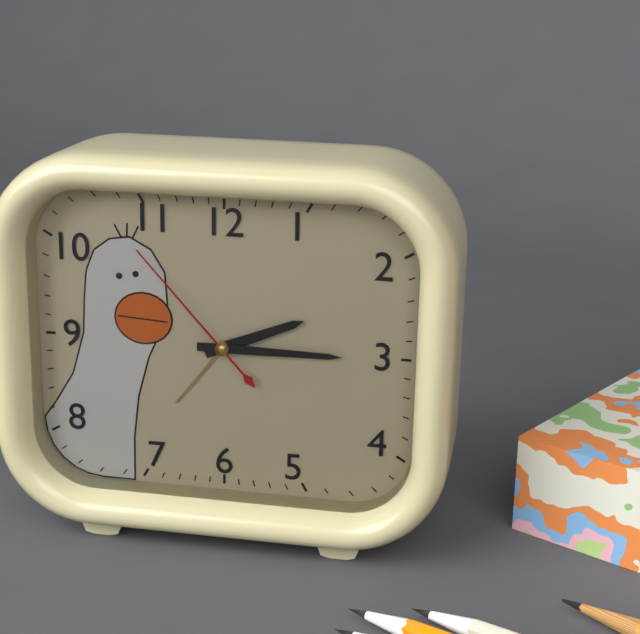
2:15:53
